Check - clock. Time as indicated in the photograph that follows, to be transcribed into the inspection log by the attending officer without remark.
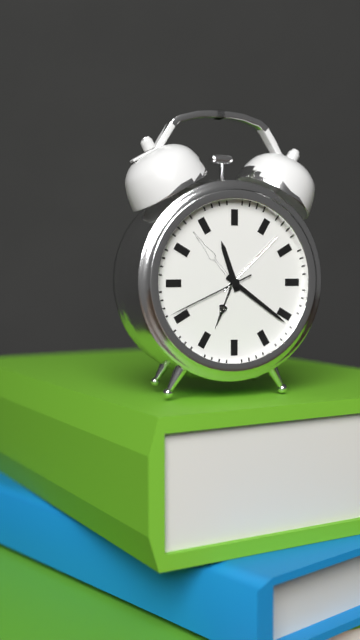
11:21:41
